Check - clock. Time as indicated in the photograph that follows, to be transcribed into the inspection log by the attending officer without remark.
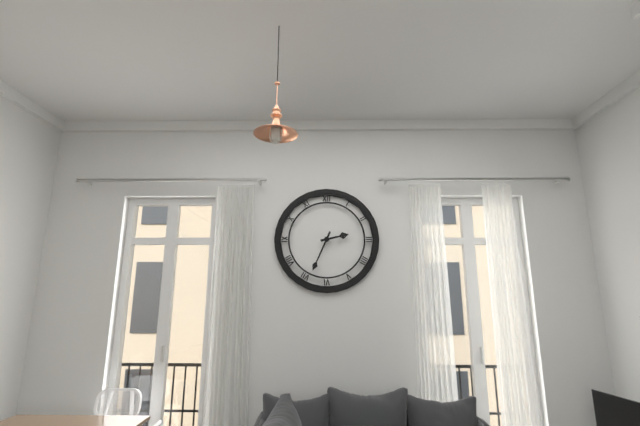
2:34
